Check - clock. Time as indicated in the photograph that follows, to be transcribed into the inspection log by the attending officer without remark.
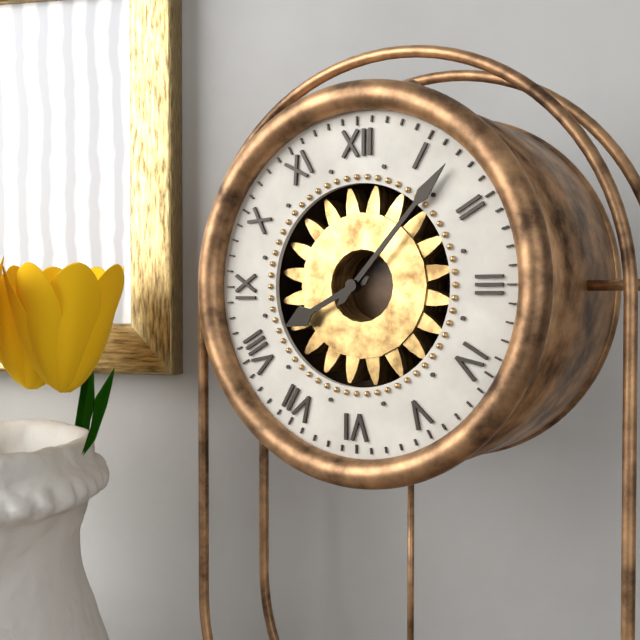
8:07
